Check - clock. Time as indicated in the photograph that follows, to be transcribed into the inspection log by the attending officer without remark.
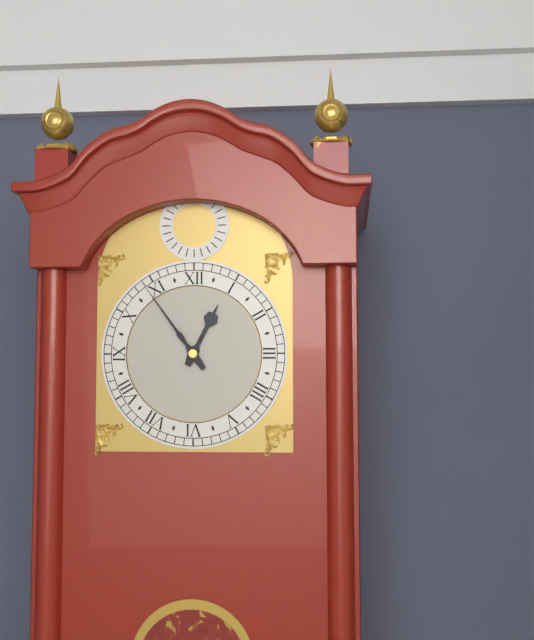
12:54
